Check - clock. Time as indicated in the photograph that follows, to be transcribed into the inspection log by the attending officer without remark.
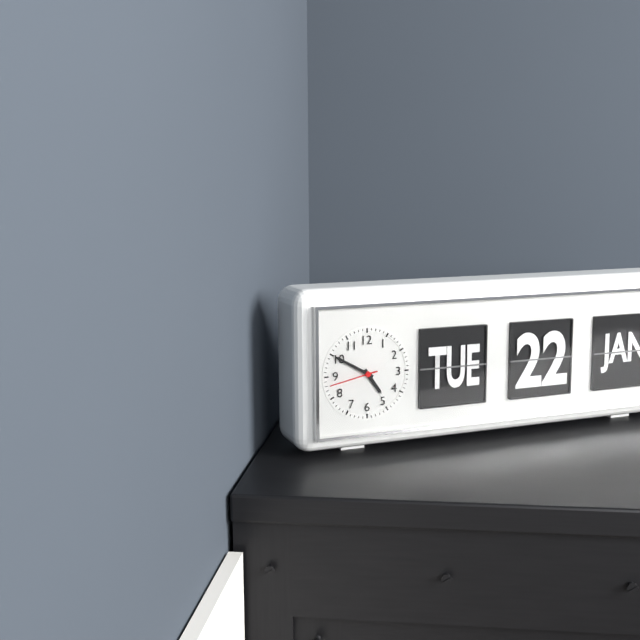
4:50
